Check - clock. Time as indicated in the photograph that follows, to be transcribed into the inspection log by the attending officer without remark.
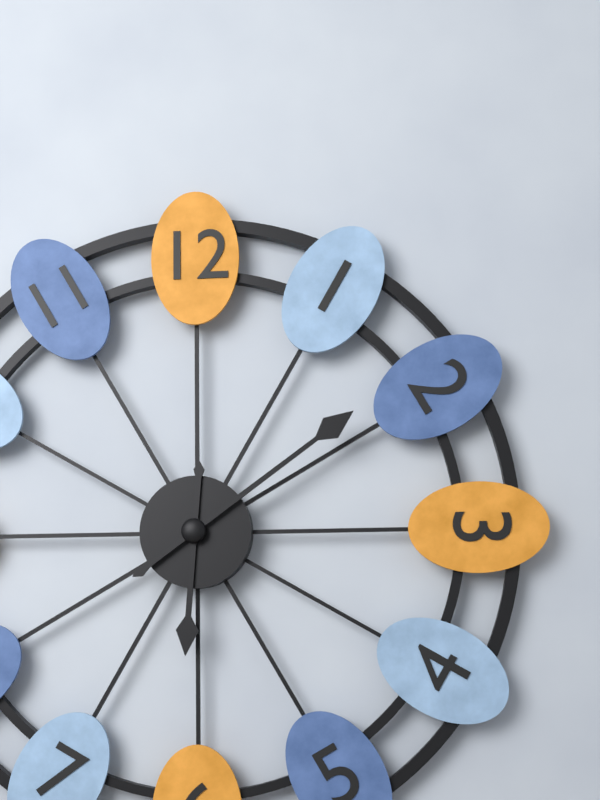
6:09
